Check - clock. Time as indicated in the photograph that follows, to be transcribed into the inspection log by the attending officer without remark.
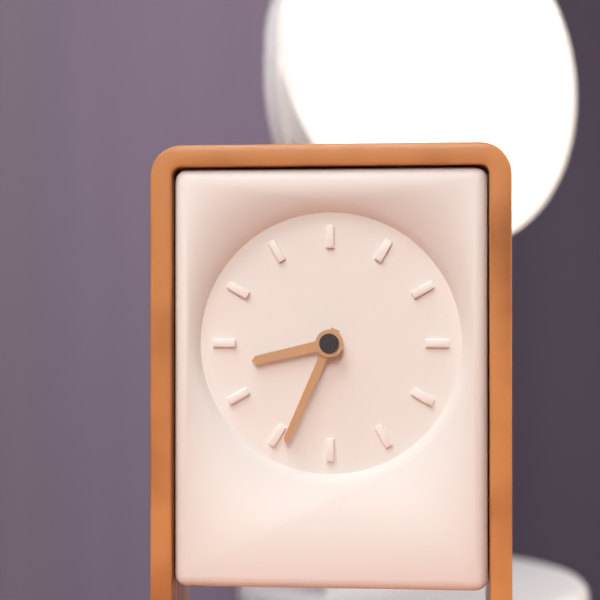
8:34
